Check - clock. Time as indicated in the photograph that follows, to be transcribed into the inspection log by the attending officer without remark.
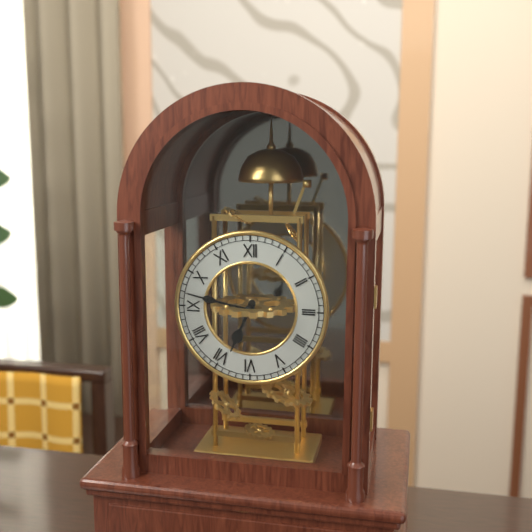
6:47
